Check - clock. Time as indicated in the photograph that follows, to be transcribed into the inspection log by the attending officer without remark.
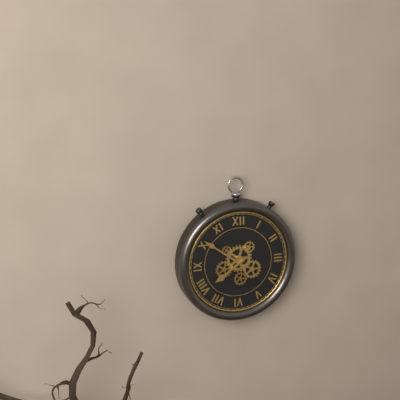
7:51
